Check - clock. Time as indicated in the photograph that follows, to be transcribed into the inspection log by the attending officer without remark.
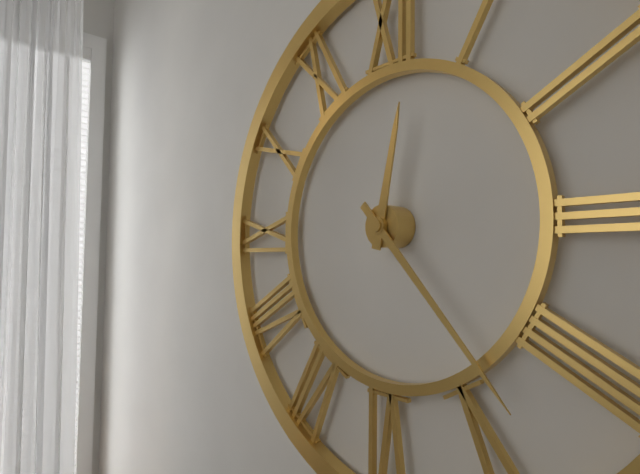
12:23
